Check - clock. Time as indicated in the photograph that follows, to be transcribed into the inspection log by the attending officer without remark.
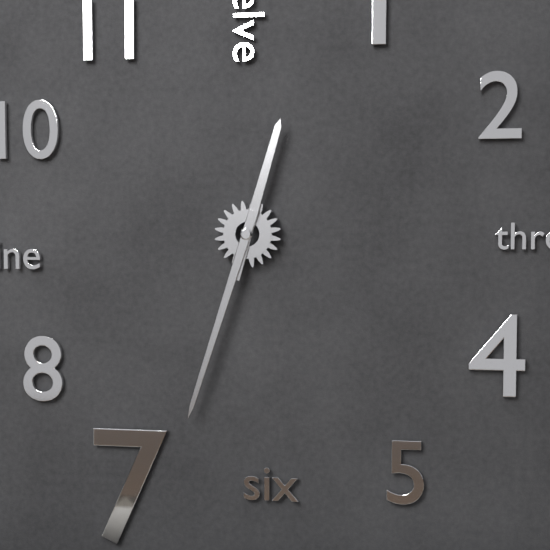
12:33
